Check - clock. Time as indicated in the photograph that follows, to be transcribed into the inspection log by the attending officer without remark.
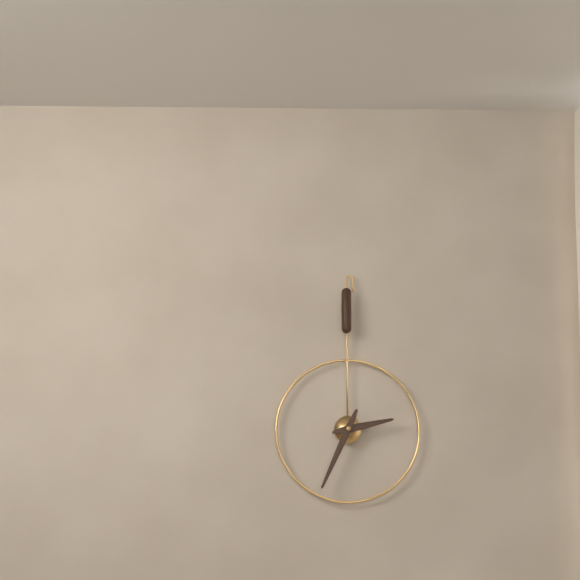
2:34
